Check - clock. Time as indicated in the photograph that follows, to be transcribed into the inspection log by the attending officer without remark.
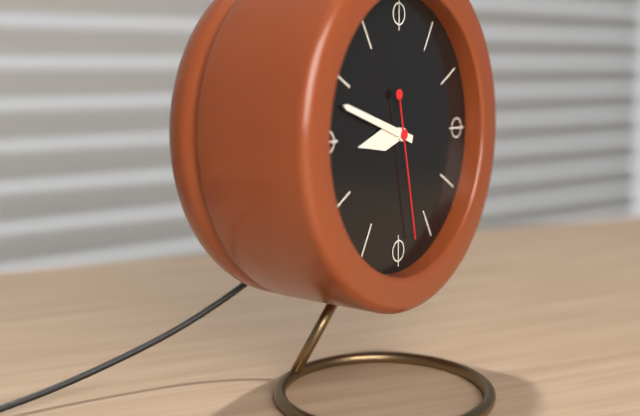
8:48:28
